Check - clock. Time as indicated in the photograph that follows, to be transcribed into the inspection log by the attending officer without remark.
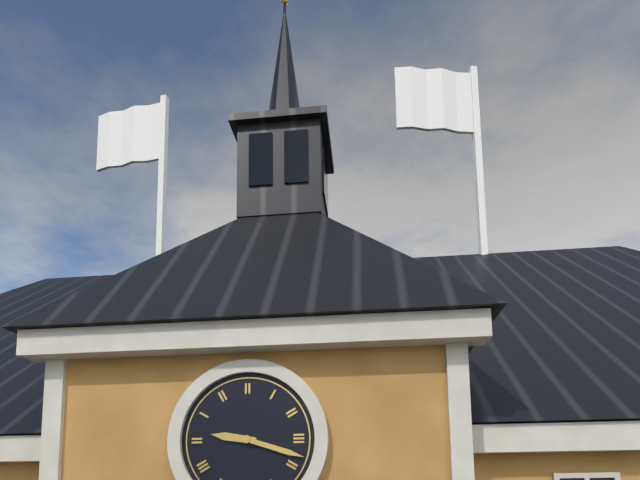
9:18
